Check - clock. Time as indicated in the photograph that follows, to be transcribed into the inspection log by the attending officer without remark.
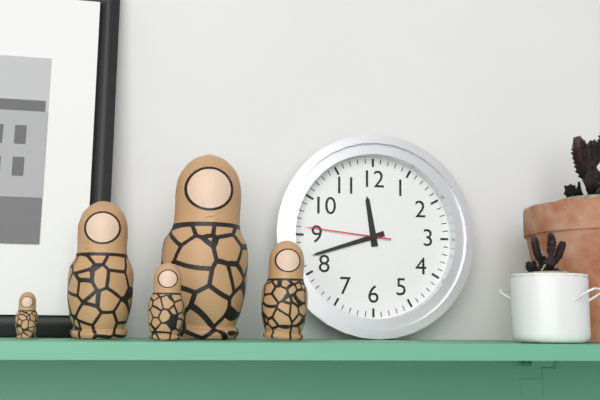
11:42:46
